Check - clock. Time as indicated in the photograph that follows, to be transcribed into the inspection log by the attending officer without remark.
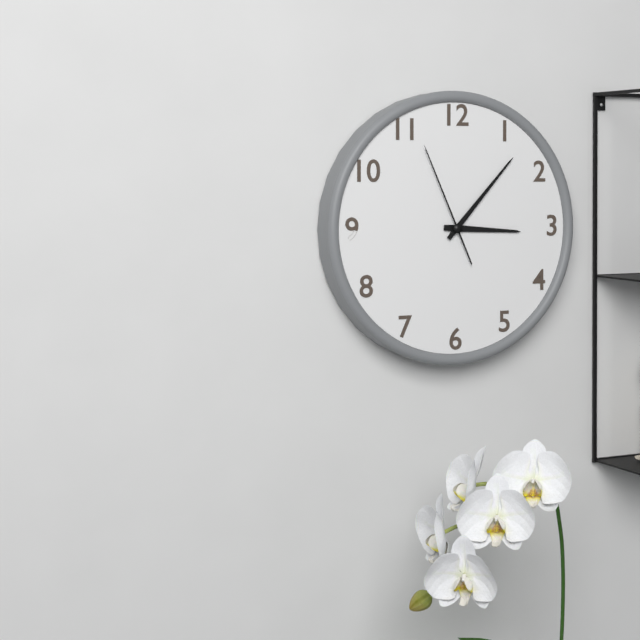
3:07:56
